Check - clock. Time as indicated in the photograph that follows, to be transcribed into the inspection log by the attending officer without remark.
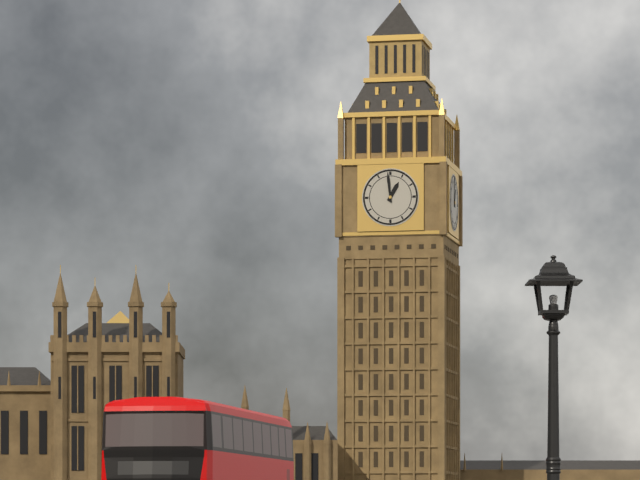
12:59
